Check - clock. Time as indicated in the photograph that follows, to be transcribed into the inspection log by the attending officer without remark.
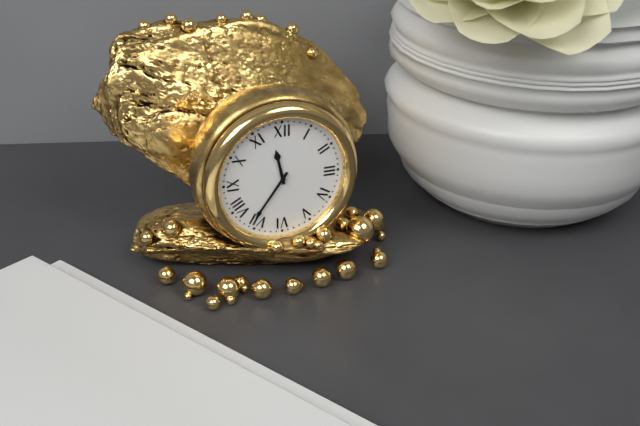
11:36
